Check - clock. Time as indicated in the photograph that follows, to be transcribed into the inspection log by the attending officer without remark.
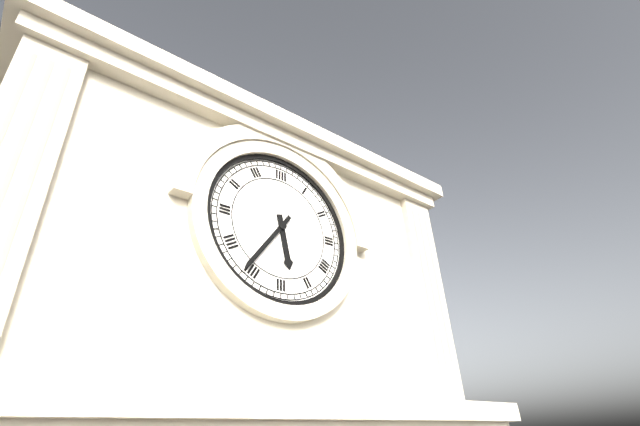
5:36
